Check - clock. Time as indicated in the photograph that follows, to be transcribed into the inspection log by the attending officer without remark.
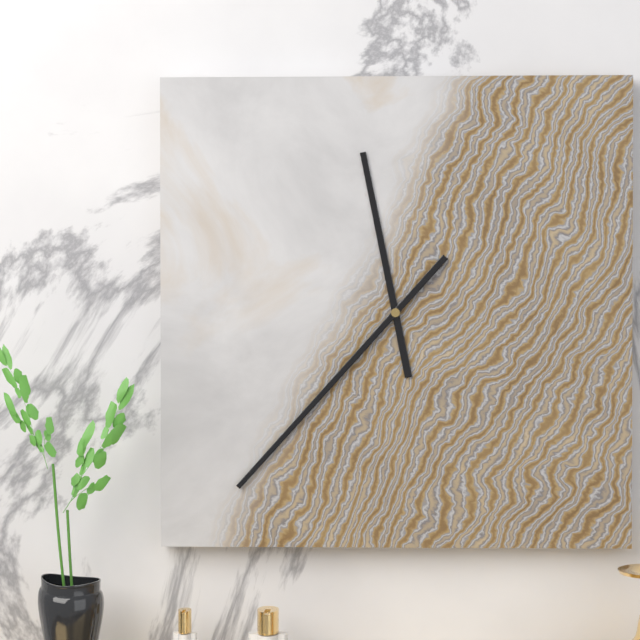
11:37
